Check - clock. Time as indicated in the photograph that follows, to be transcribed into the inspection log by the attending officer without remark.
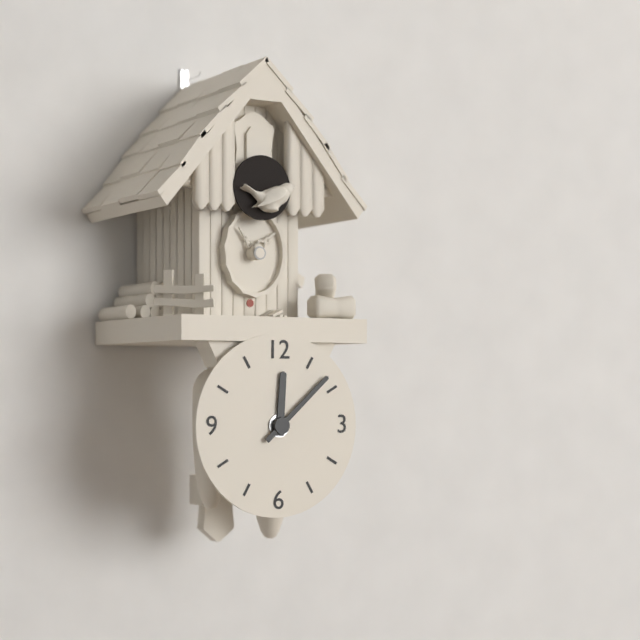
12:08
